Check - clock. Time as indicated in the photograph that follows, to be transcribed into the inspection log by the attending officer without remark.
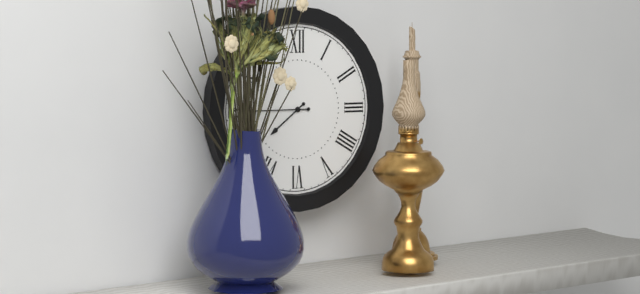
7:45
